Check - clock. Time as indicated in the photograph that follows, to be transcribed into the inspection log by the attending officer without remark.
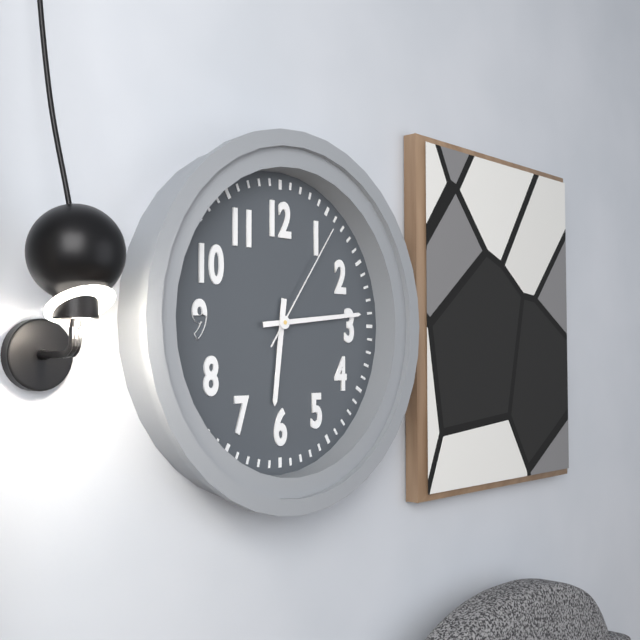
6:14:06
